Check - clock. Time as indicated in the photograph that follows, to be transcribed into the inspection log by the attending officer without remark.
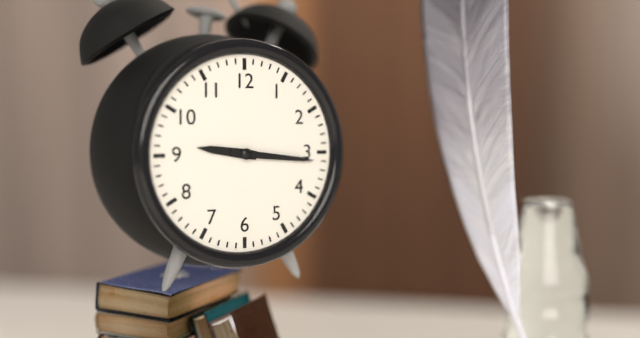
9:16
